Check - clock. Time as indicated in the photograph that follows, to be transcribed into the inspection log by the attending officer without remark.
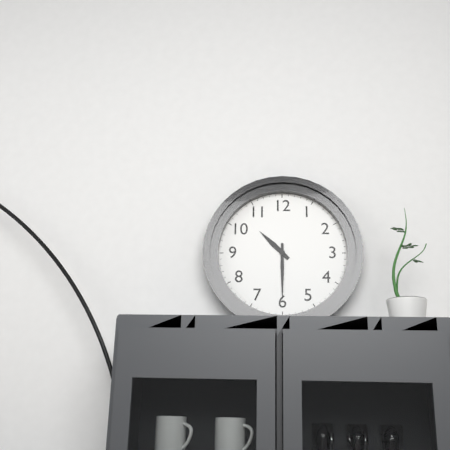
10:30
